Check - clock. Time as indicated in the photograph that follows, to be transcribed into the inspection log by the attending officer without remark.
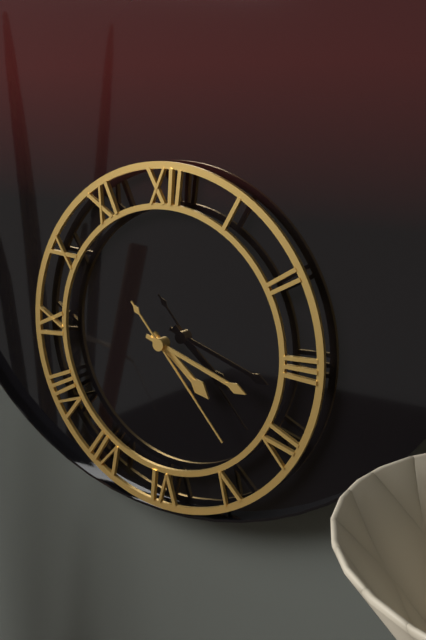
4:18:23
